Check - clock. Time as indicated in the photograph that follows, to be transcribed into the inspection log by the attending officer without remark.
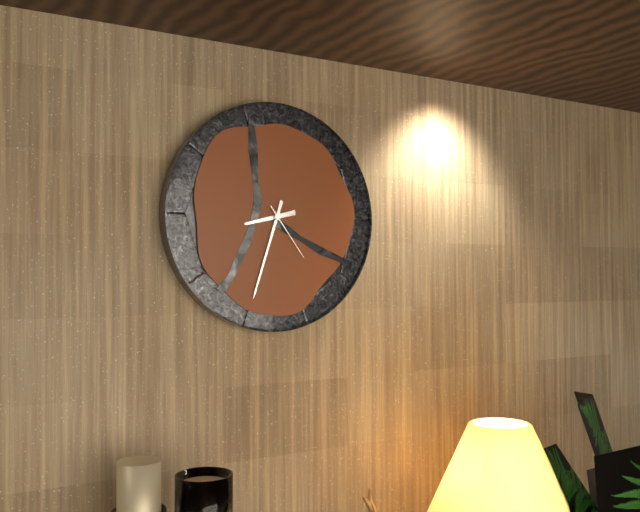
8:33:24
